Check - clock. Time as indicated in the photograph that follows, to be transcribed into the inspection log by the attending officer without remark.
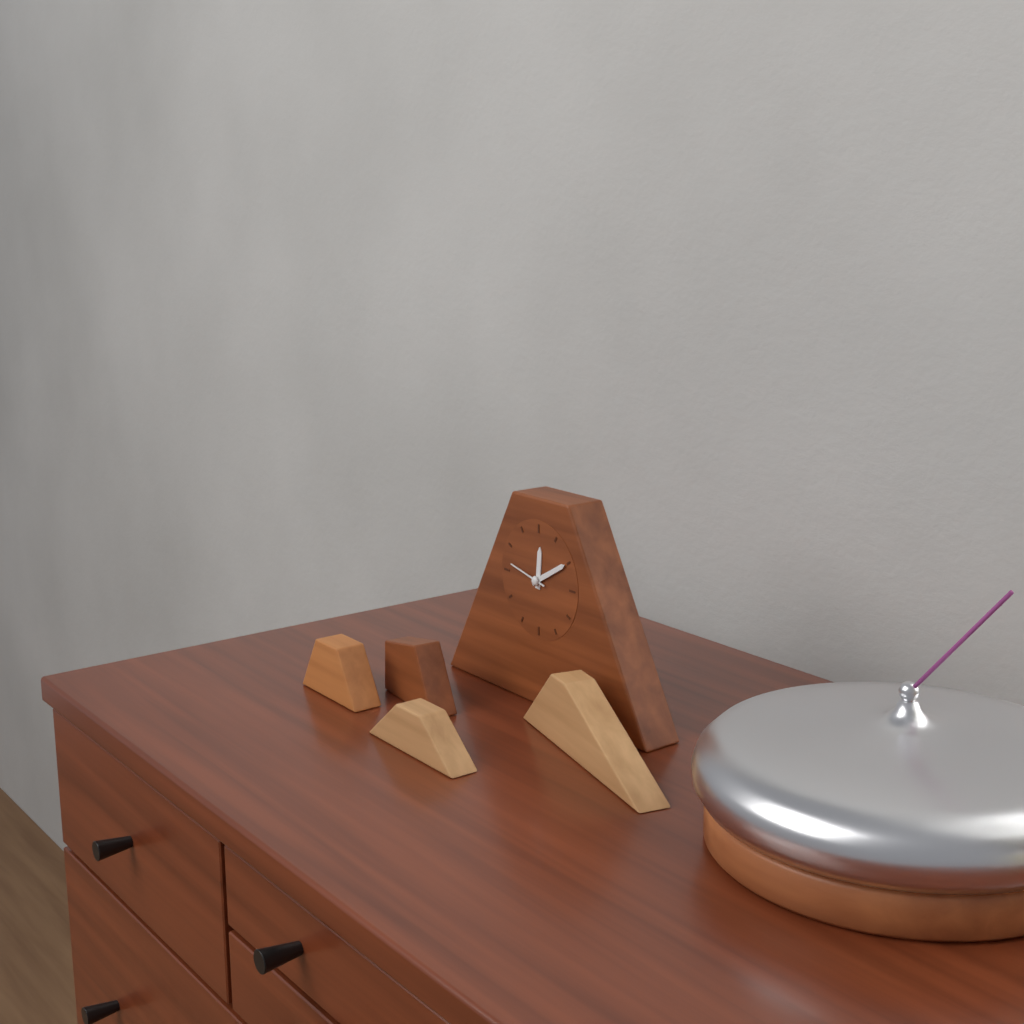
12:10
